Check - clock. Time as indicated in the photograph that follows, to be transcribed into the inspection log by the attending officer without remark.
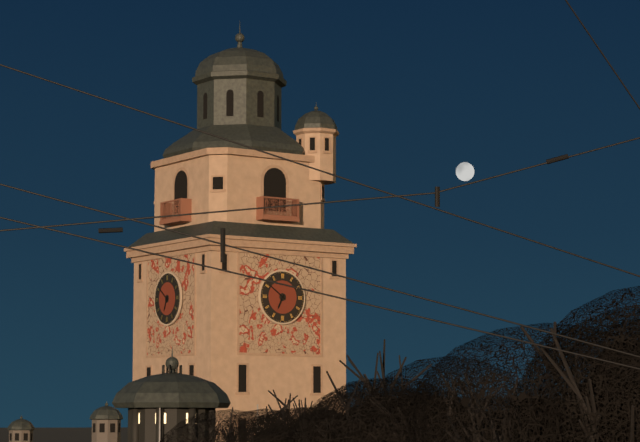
6:51
